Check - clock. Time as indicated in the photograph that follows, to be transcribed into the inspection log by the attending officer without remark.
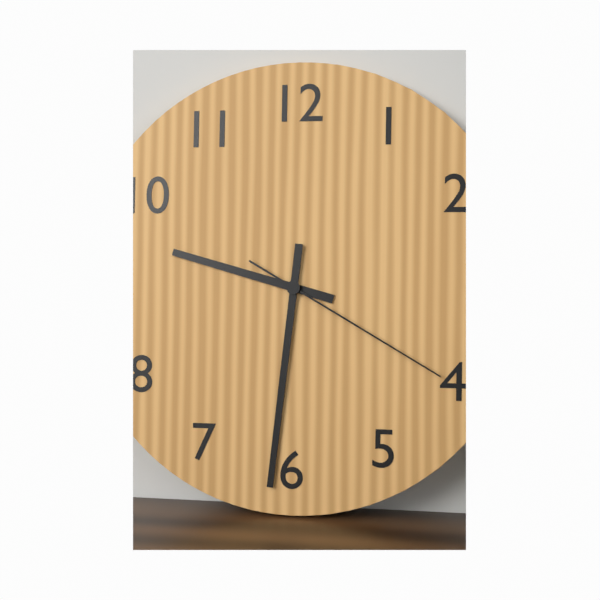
9:31:20
